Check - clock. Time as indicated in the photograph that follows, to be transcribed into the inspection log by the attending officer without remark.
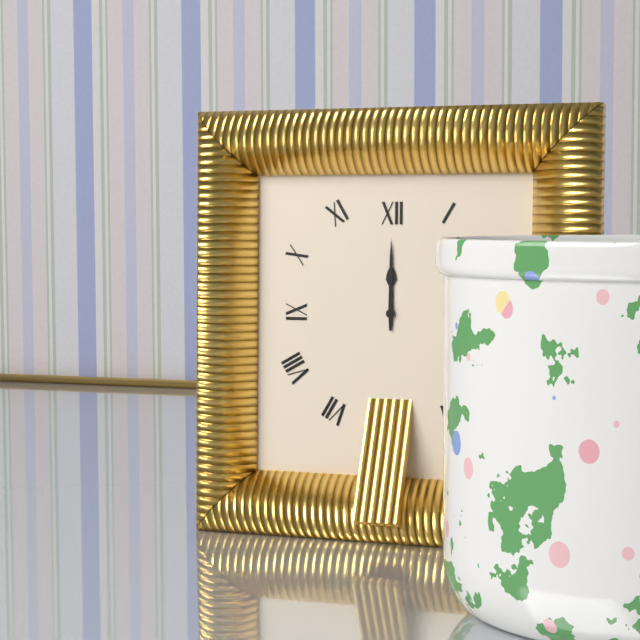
12:00
